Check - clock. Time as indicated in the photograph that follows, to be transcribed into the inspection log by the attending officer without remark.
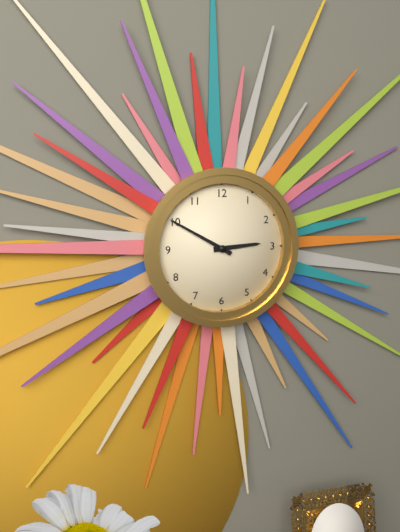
2:50
